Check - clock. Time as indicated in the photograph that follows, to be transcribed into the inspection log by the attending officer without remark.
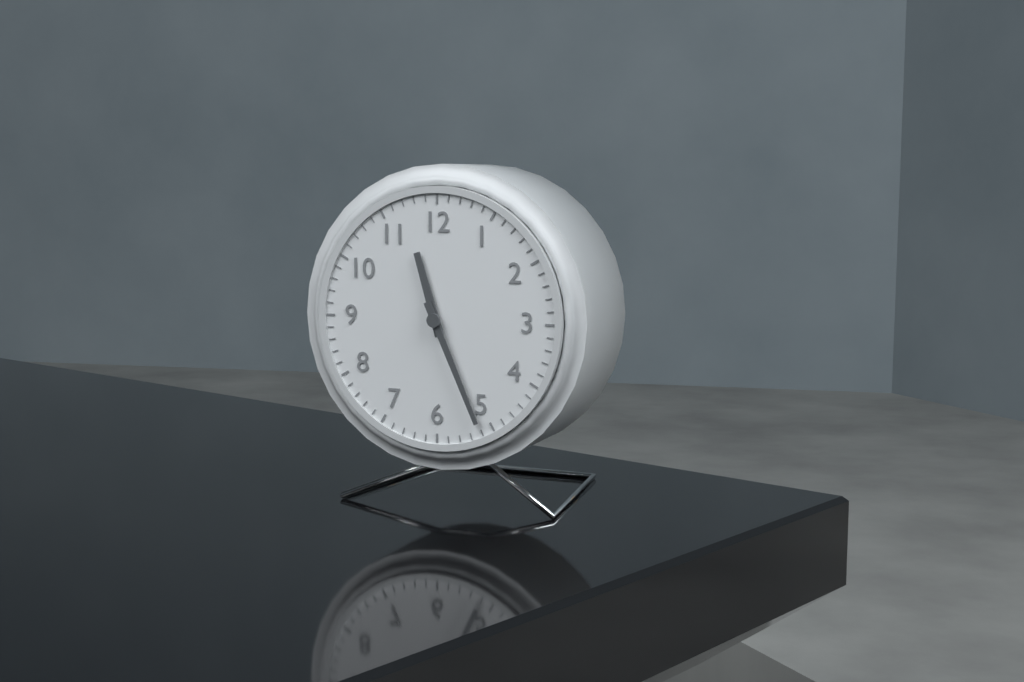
11:26
